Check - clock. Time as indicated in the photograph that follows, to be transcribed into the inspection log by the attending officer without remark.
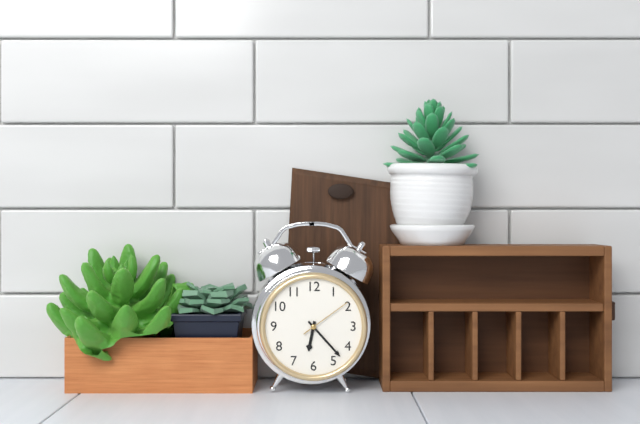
6:23:09
